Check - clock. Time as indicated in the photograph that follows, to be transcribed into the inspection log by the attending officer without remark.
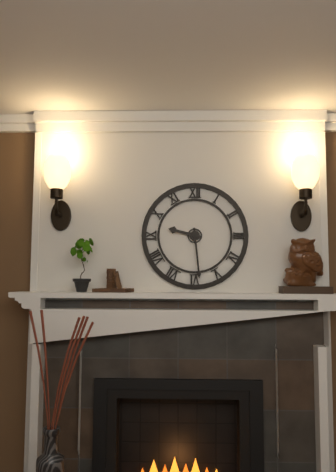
9:29
